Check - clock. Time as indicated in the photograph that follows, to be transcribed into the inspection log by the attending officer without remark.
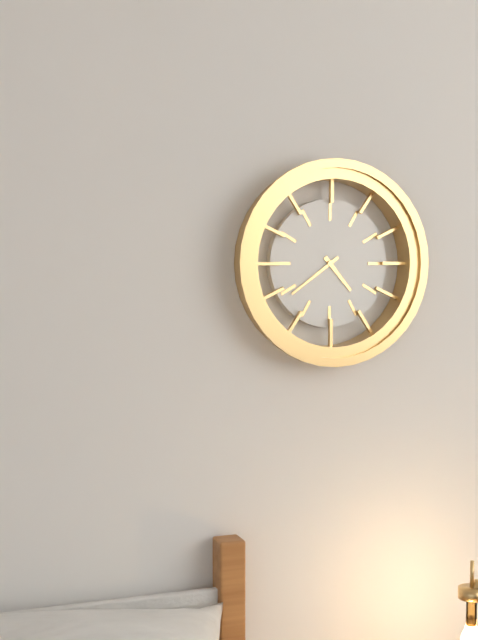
4:39
